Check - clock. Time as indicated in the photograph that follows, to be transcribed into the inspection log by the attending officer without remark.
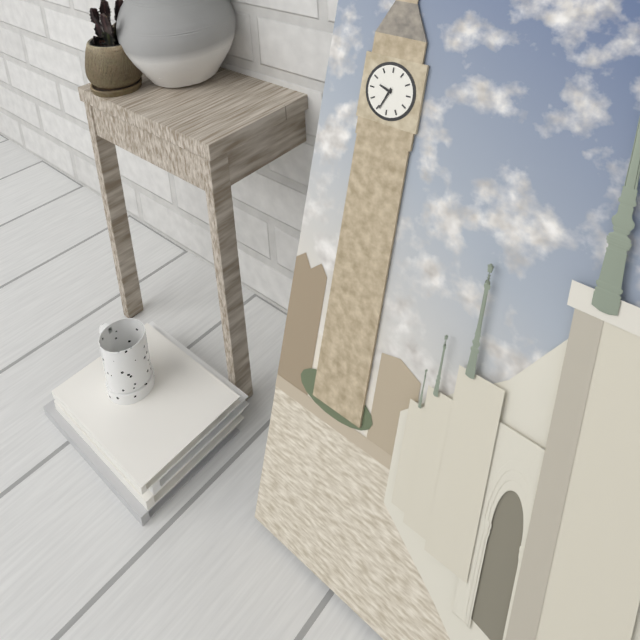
9:34
